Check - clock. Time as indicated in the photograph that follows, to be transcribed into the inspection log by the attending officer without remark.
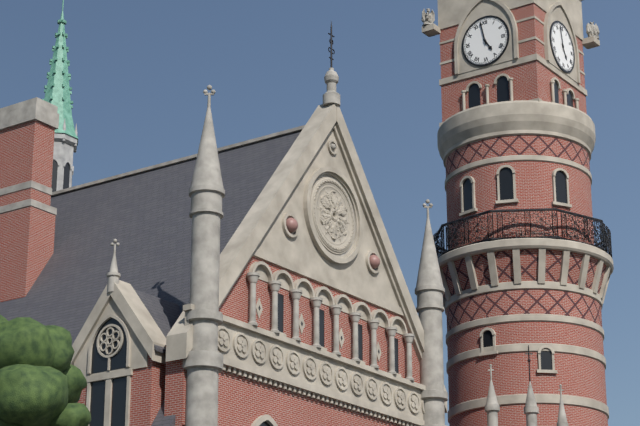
4:58
